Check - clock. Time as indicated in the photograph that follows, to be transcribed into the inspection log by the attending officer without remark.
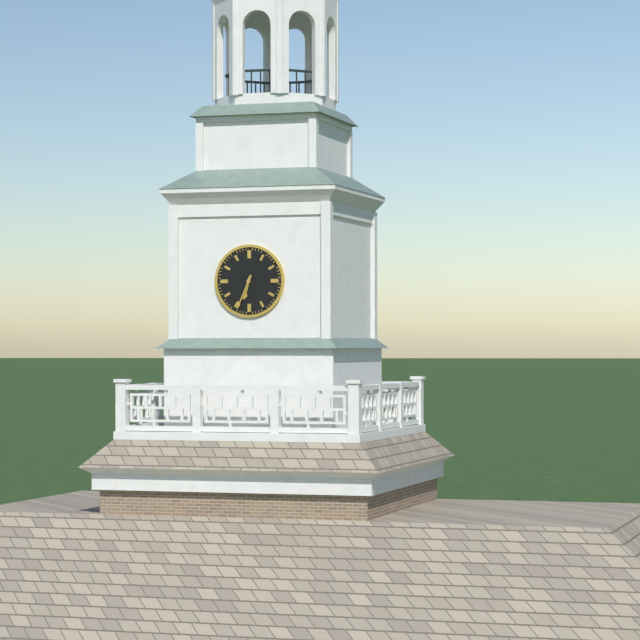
6:34
